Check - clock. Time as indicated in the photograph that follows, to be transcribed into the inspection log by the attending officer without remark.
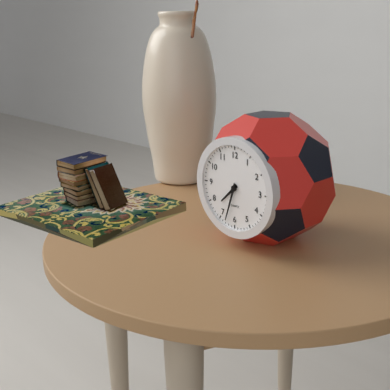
7:33
